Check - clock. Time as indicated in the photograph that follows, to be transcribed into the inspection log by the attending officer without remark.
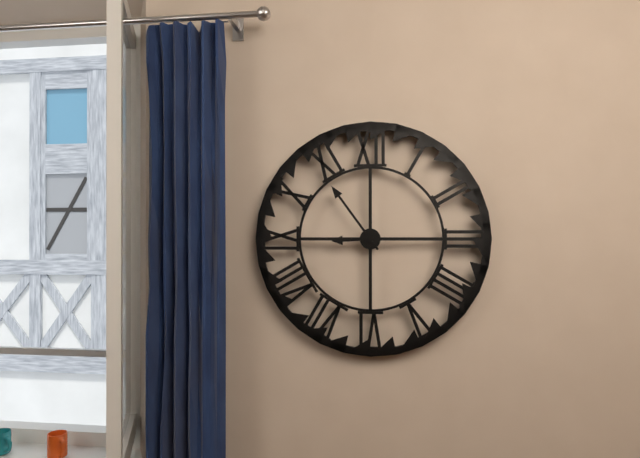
8:54
